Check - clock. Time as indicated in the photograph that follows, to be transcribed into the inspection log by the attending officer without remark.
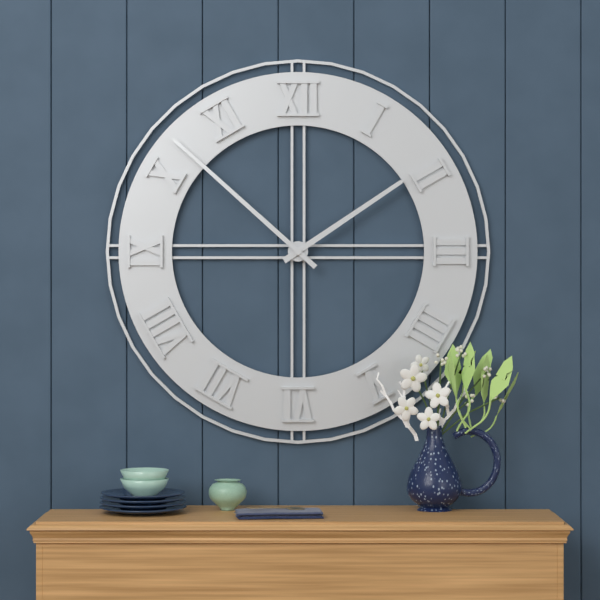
1:52
